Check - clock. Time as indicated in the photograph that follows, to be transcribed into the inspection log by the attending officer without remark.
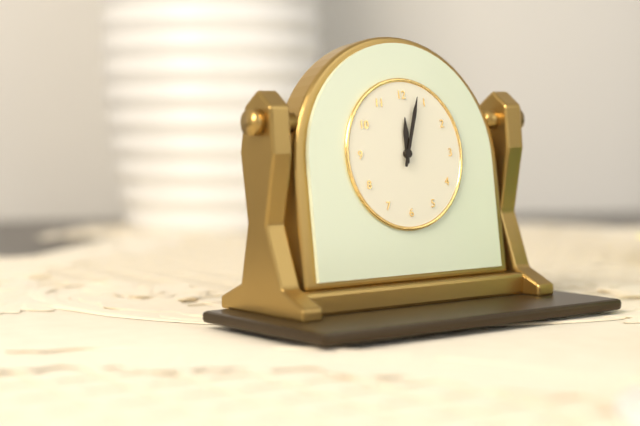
12:03
